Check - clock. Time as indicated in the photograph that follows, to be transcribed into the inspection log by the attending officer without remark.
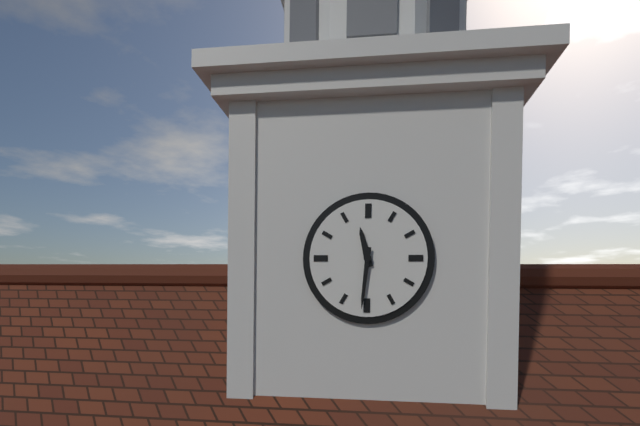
11:31
